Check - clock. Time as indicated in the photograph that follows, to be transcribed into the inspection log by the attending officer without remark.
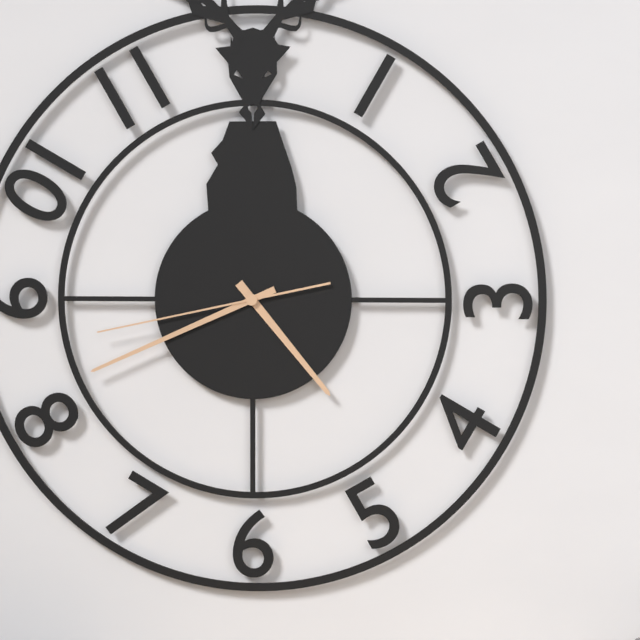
4:41:43
